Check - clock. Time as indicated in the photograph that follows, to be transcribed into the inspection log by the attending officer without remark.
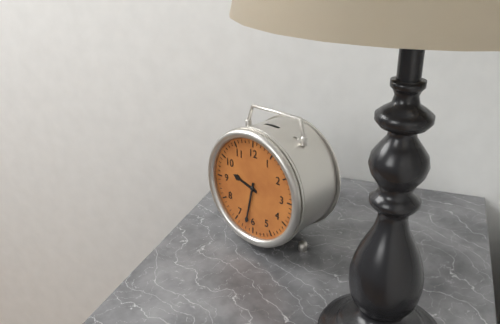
9:32
